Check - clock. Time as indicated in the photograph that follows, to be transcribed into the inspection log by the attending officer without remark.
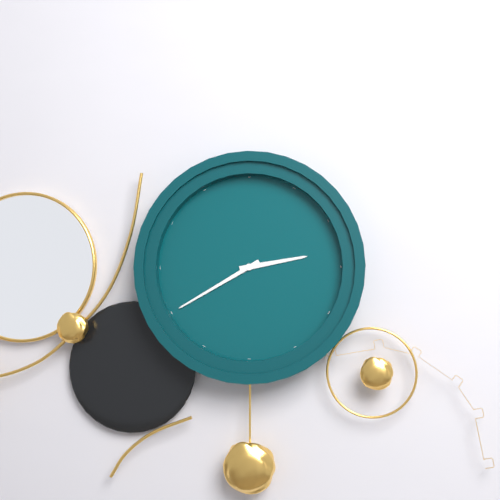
2:40
